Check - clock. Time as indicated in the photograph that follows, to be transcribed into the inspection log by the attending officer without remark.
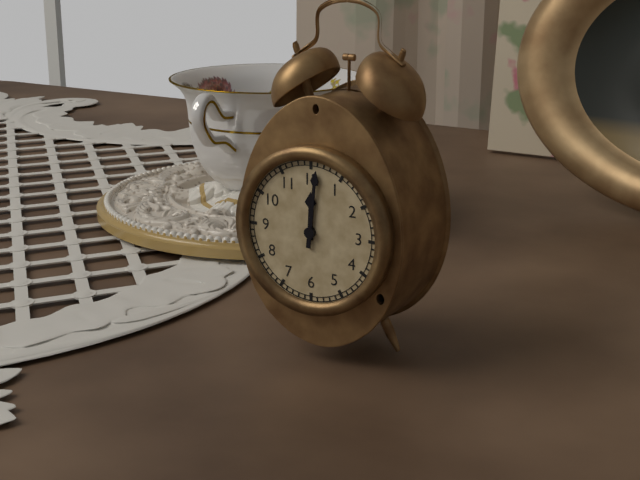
12:01
